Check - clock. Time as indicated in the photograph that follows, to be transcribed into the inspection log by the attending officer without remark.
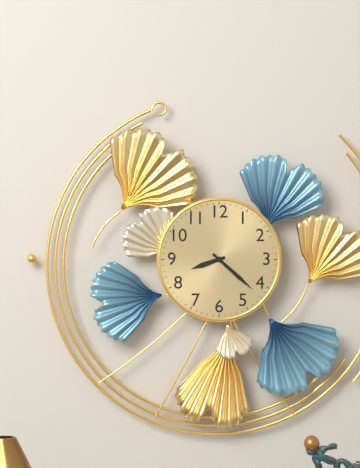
8:22
